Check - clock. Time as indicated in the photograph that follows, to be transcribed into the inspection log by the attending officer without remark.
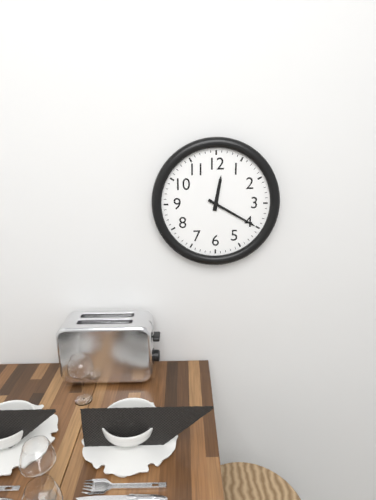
12:20
